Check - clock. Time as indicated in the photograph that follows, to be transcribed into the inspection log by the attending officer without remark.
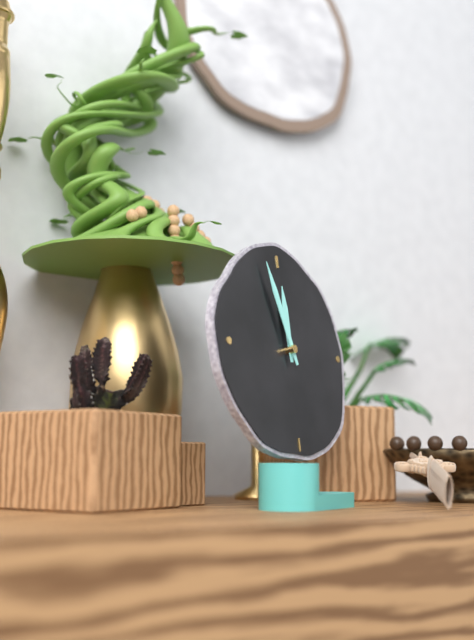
11:57
